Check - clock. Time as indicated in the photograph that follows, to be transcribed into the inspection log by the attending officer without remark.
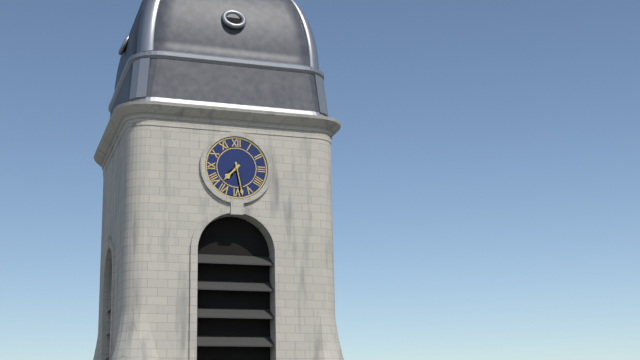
7:28
